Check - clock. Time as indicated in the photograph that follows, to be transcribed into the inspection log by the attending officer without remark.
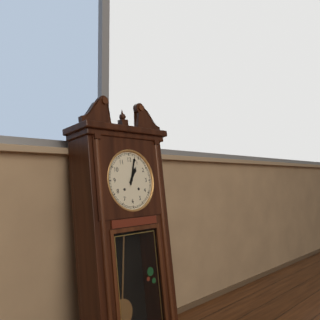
1:03
